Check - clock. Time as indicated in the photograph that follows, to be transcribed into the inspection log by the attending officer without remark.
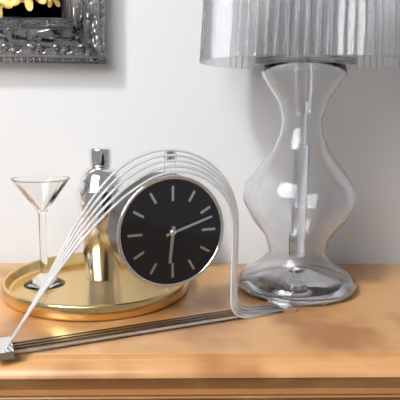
6:12
